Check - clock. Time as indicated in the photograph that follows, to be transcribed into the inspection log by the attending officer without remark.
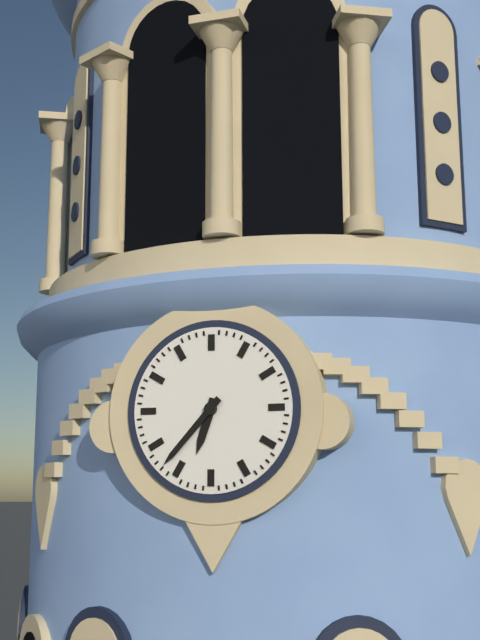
6:37
